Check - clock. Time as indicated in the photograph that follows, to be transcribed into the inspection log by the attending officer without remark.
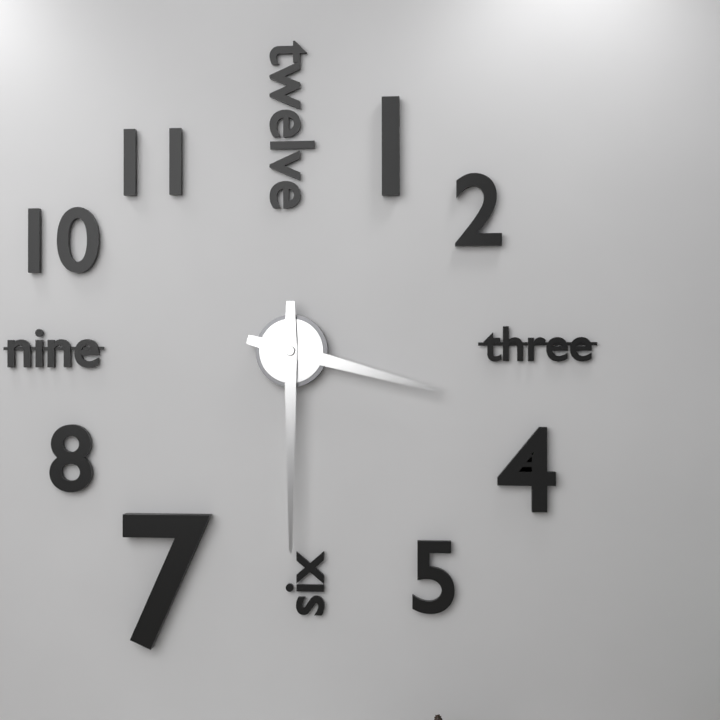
3:30
